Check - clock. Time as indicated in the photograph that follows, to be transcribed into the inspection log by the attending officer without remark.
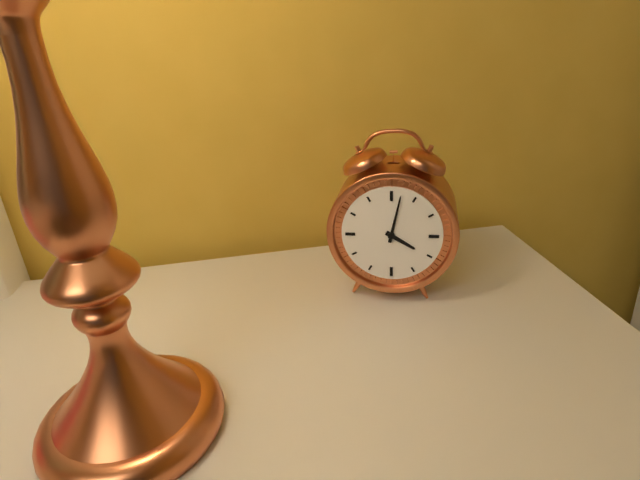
4:02
